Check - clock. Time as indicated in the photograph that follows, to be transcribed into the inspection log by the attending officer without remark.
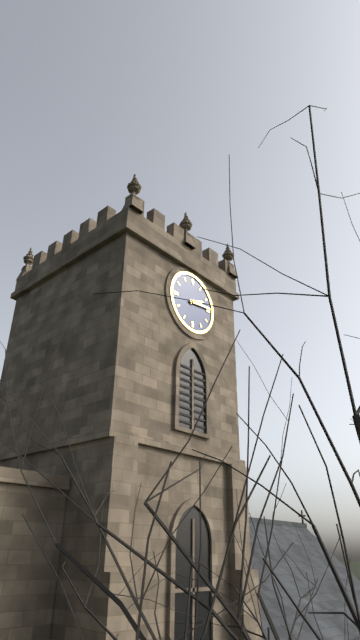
2:14
